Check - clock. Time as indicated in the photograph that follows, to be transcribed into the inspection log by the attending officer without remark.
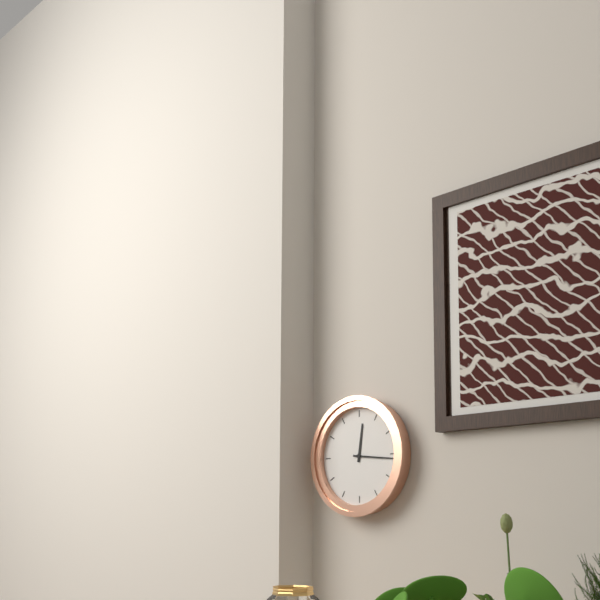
12:16
